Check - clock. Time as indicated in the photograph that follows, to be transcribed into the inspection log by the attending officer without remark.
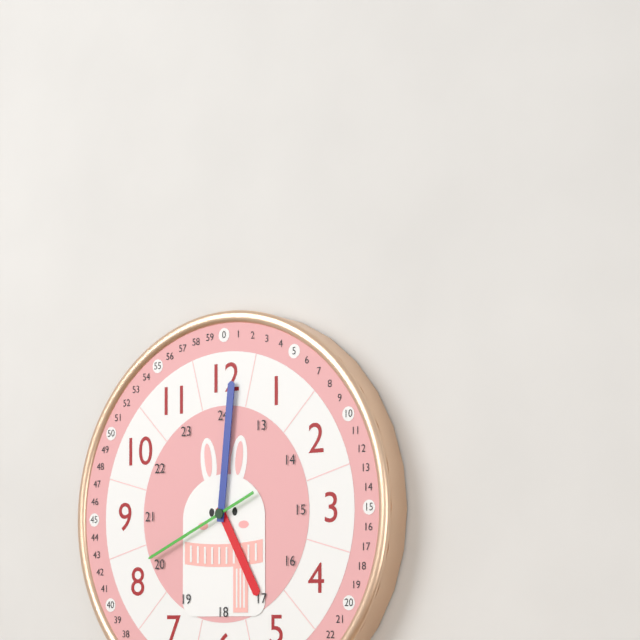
5:01:41
